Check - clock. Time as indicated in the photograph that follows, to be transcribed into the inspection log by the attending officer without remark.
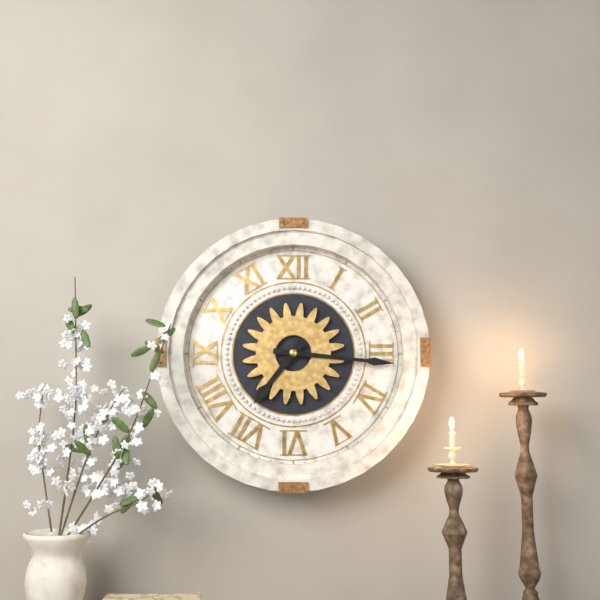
7:16
